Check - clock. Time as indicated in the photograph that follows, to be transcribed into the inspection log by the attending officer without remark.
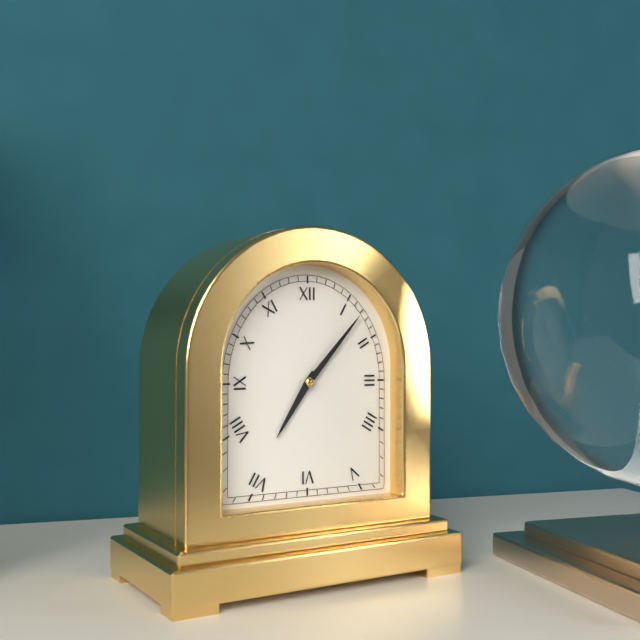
7:07
